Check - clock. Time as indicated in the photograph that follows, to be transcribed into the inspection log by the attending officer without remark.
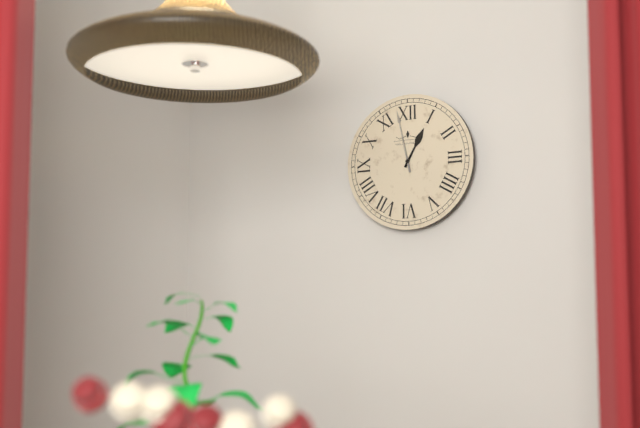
12:58
